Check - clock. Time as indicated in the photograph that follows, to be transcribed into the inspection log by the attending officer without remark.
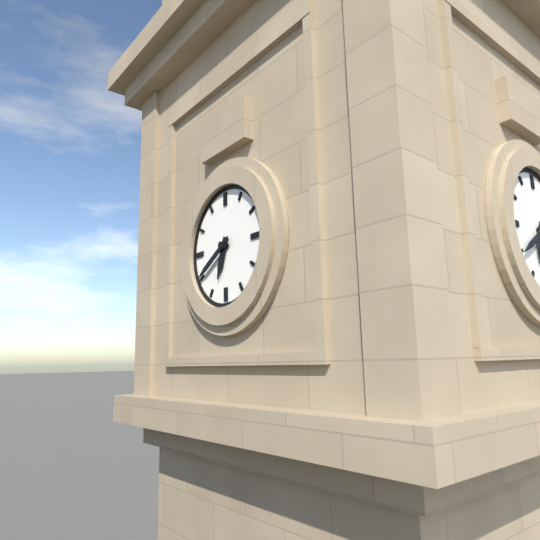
6:40
